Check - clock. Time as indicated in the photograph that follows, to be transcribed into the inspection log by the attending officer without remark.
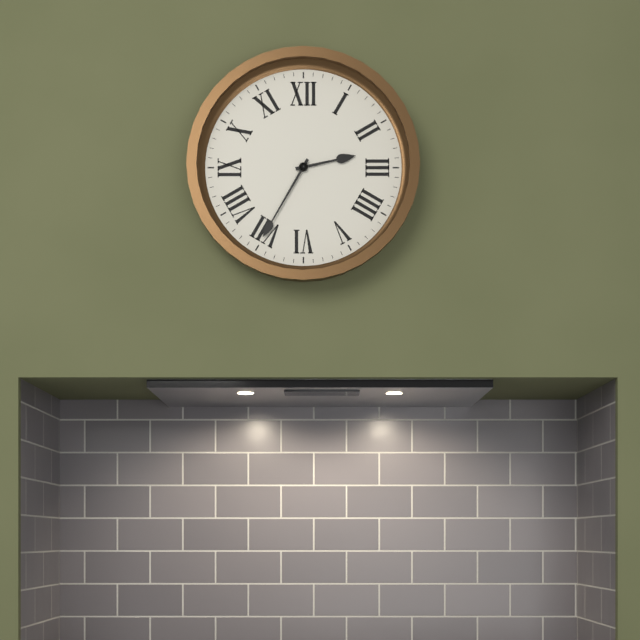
2:35
